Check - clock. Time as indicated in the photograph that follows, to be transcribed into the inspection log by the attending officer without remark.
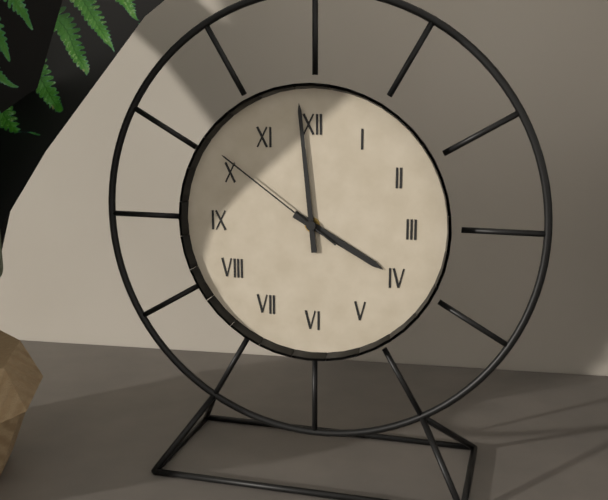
3:59:51
